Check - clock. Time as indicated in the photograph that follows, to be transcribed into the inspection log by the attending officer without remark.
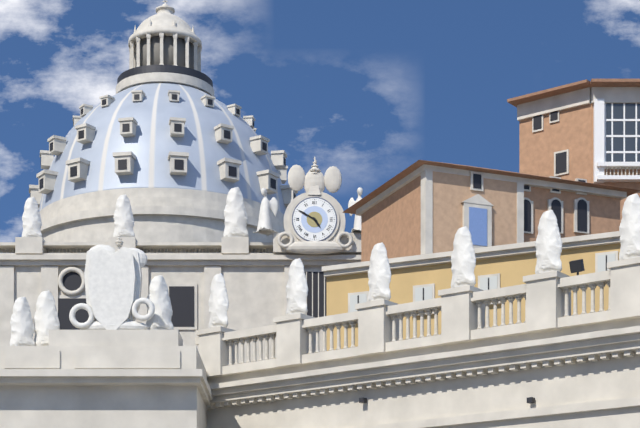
4:50
